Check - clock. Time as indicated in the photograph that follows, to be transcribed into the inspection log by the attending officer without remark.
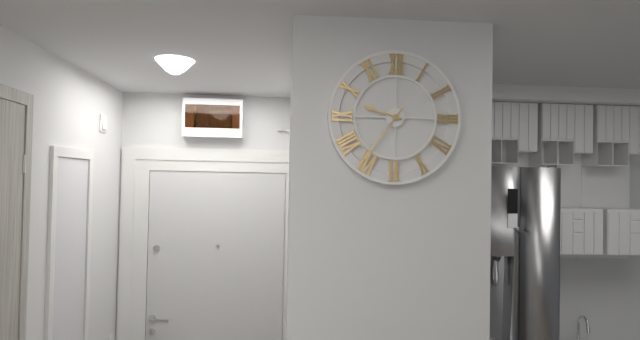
9:36
